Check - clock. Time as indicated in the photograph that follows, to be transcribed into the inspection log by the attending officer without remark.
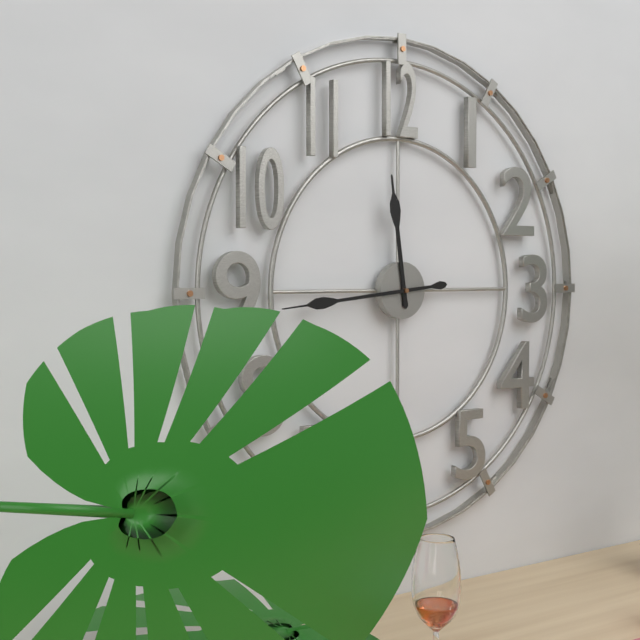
11:44
